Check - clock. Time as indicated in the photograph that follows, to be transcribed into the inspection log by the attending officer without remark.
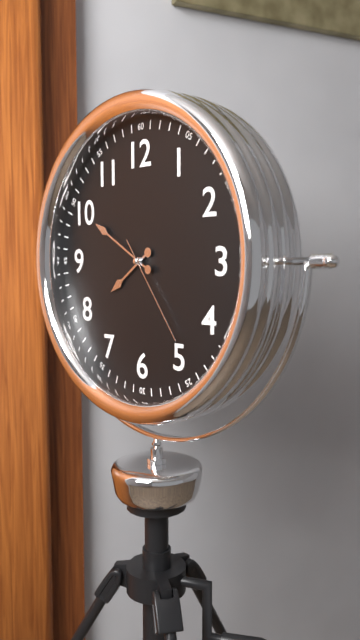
7:50:24
